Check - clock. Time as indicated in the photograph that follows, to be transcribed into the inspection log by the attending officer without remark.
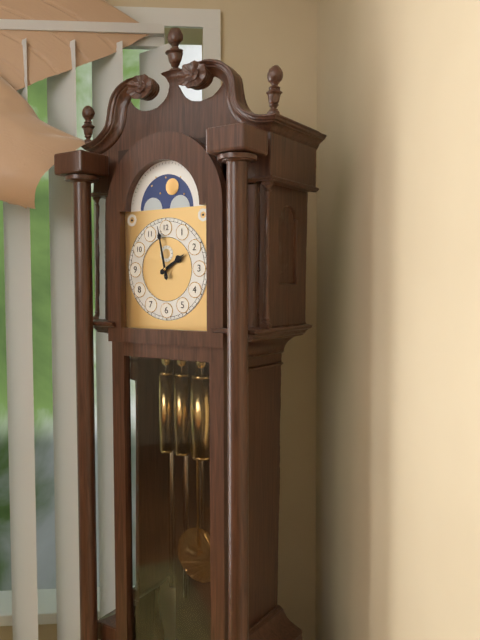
1:58
